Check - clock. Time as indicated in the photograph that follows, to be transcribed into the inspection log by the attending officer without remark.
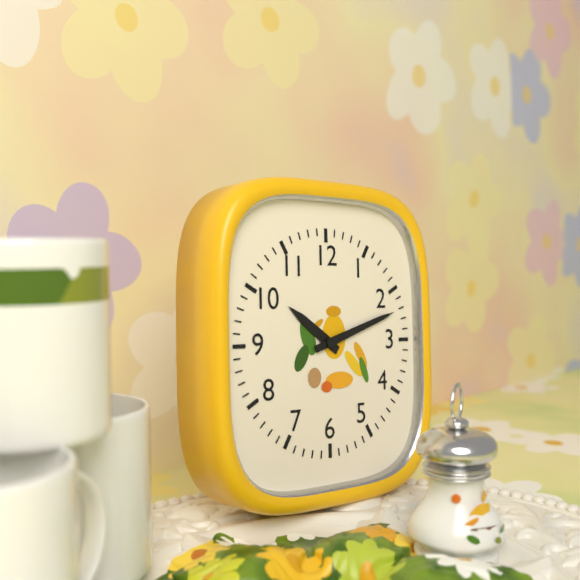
10:12
